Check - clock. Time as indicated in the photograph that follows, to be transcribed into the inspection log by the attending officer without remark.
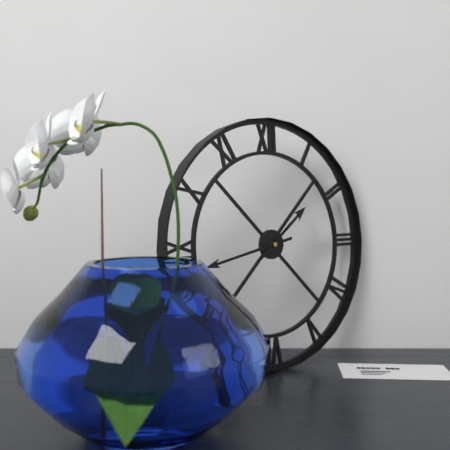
1:43
